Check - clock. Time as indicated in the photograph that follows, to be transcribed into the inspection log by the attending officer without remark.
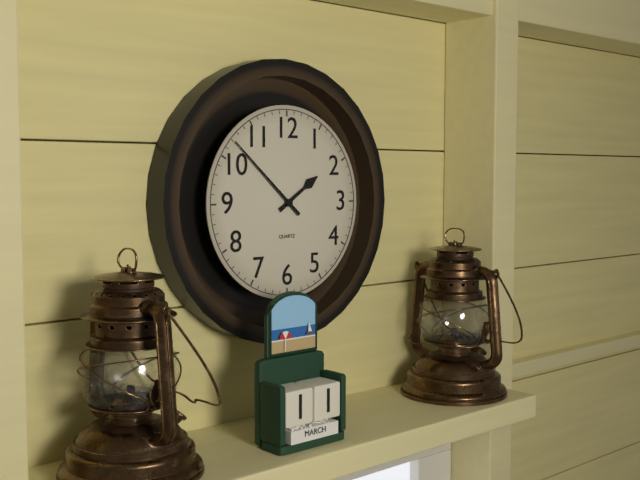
1:52
